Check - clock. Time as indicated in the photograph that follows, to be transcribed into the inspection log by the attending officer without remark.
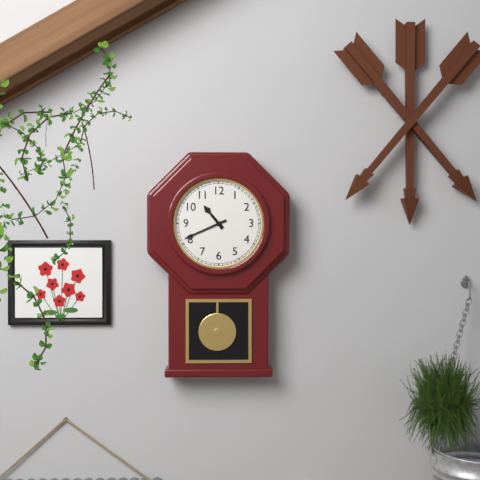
10:41
